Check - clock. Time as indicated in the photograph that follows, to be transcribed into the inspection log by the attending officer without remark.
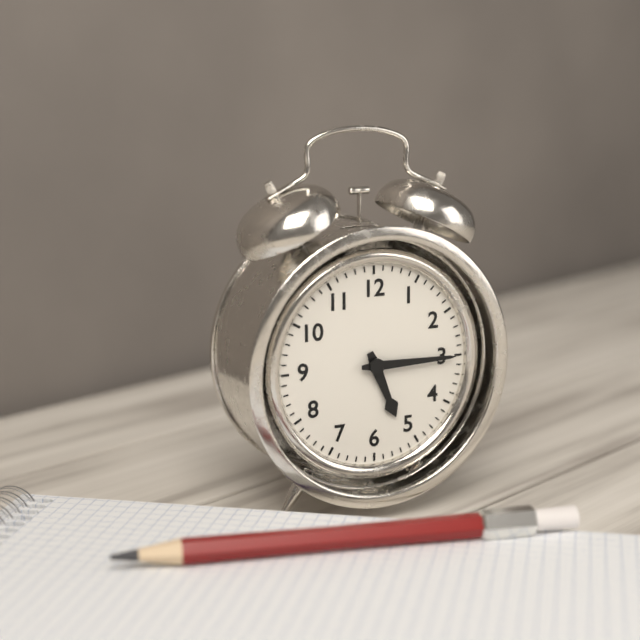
5:15
